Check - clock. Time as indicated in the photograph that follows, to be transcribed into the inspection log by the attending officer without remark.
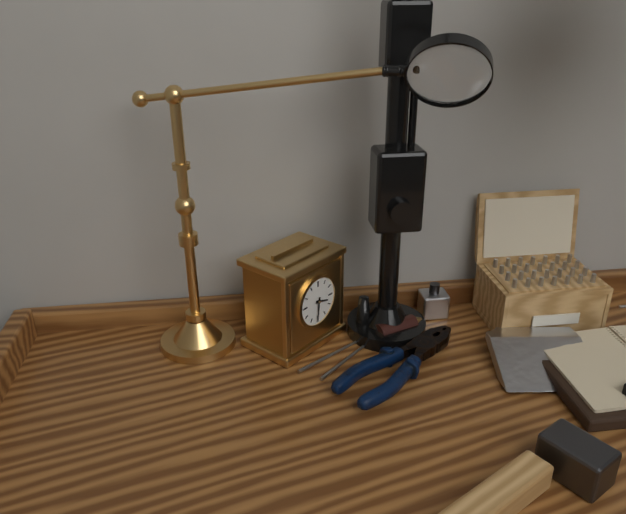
3:31
